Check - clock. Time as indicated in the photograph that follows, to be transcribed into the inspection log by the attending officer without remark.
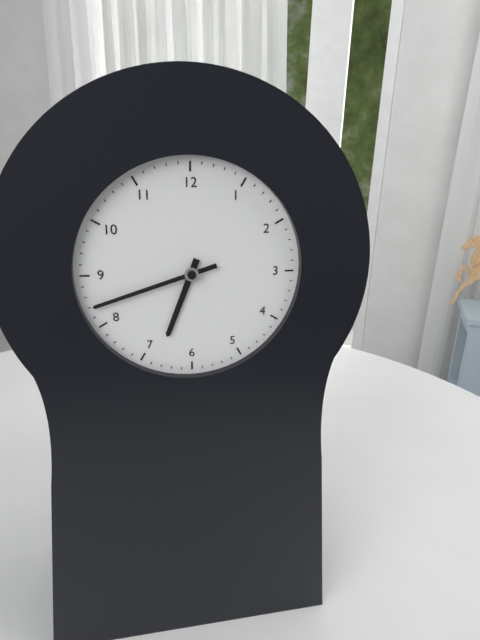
6:42
